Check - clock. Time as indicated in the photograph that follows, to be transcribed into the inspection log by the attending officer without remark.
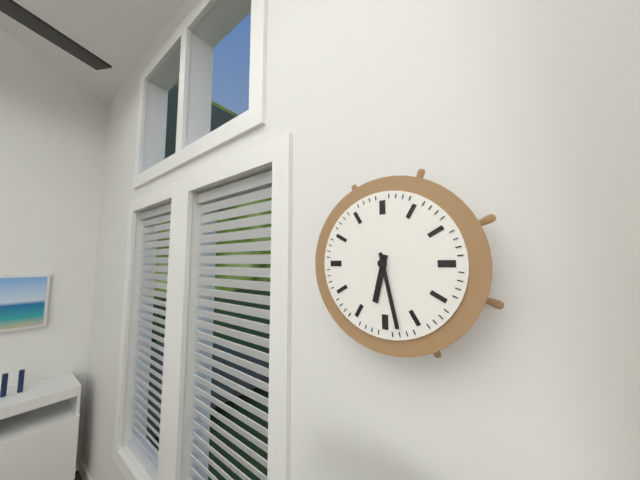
6:28
